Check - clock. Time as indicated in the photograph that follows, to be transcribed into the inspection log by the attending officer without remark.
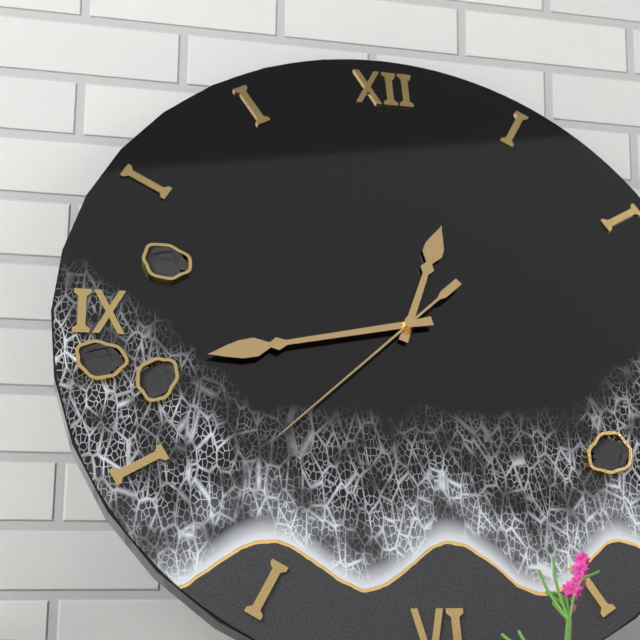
12:43:38
